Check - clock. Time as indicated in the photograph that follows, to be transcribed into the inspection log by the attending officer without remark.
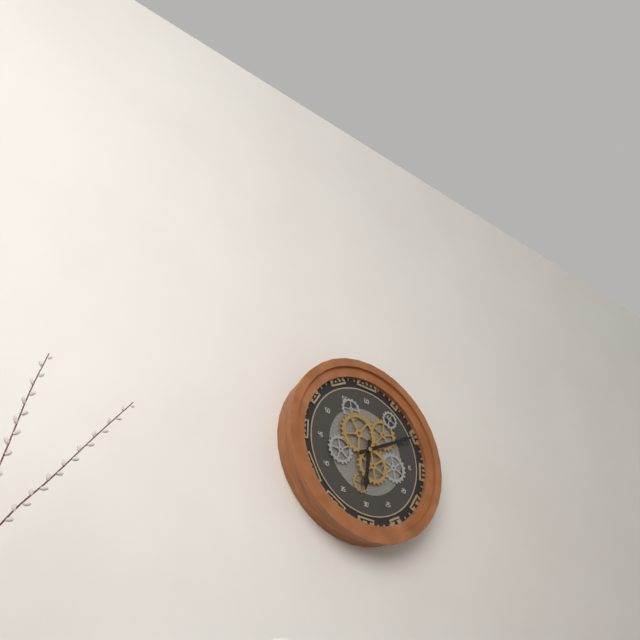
6:10
